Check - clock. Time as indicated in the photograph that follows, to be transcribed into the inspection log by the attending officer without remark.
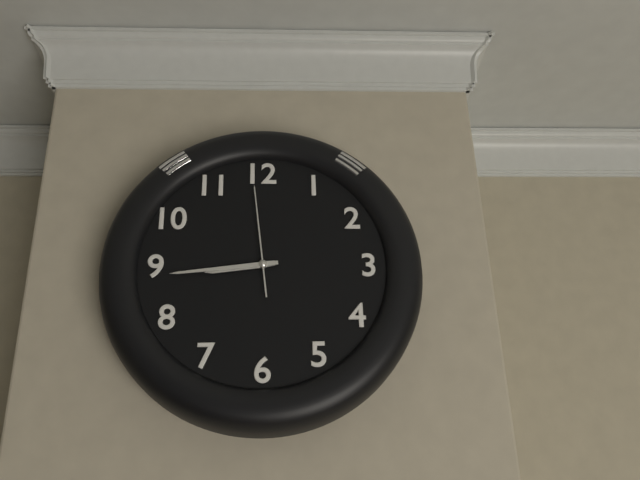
8:44:59
